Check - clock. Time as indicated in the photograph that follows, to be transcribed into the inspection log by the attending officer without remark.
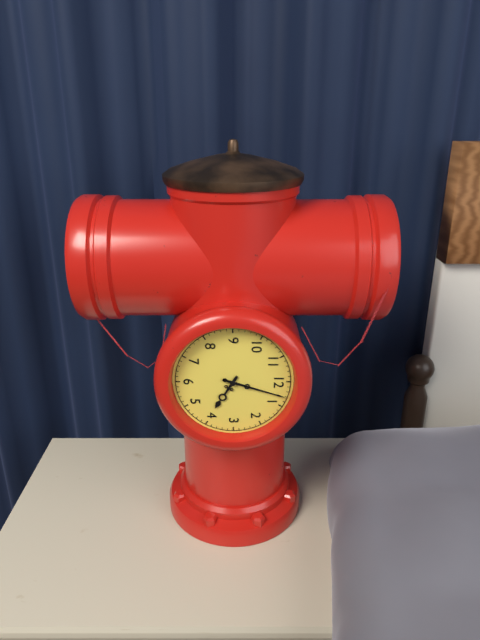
4:03
